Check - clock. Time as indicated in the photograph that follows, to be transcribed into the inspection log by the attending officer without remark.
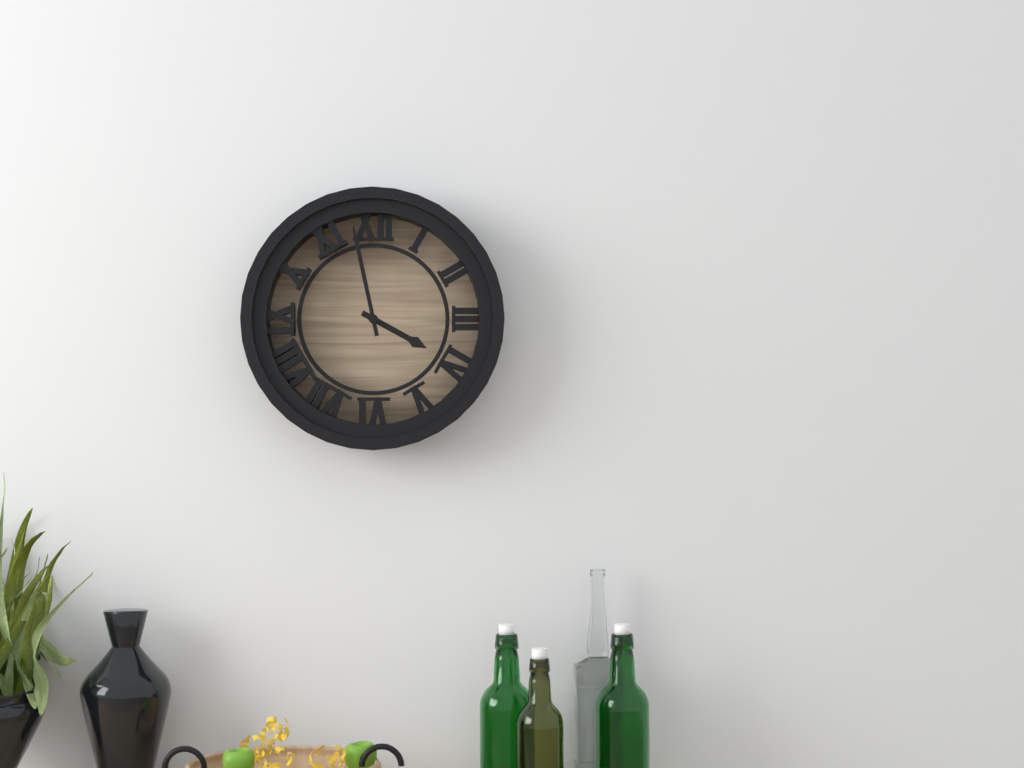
3:58
